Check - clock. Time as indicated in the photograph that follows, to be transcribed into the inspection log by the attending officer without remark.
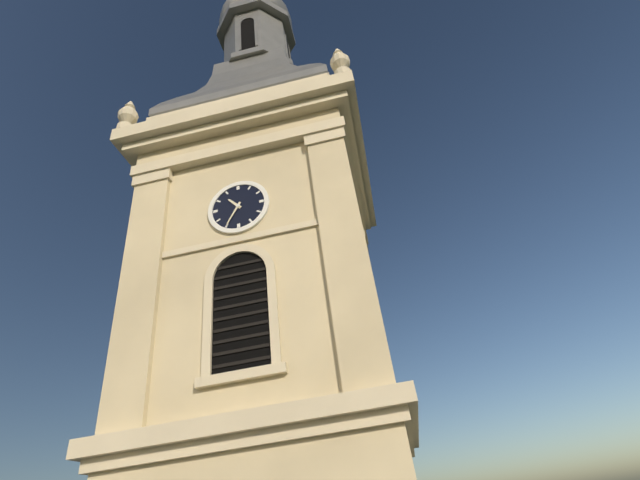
10:35
